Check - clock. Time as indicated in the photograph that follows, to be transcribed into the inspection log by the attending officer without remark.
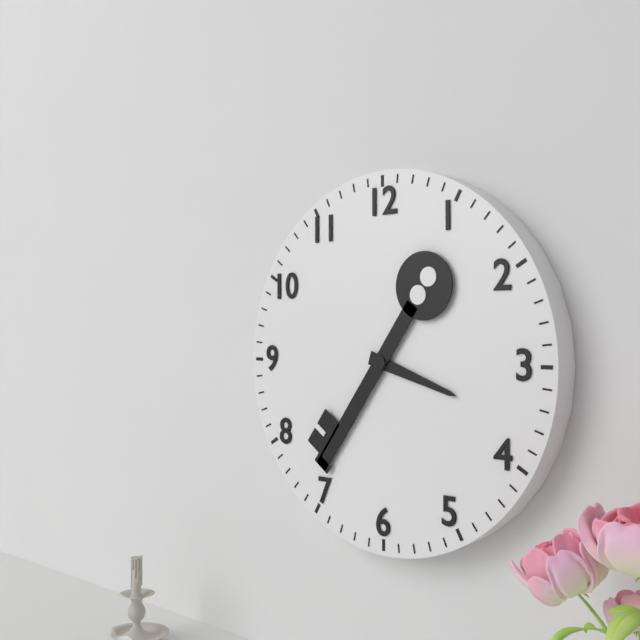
3:36
